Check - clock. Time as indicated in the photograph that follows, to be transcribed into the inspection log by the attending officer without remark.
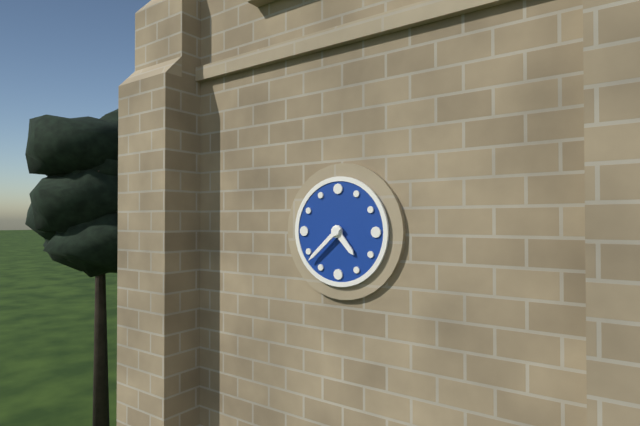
4:38
